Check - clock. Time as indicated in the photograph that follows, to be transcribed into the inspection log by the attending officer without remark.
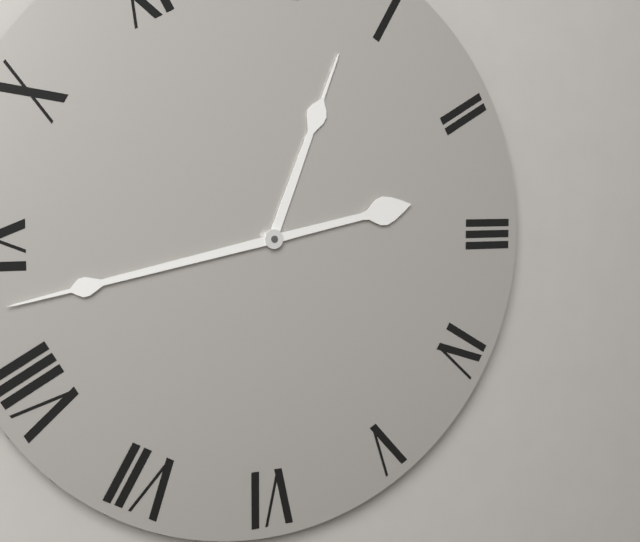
12:43
